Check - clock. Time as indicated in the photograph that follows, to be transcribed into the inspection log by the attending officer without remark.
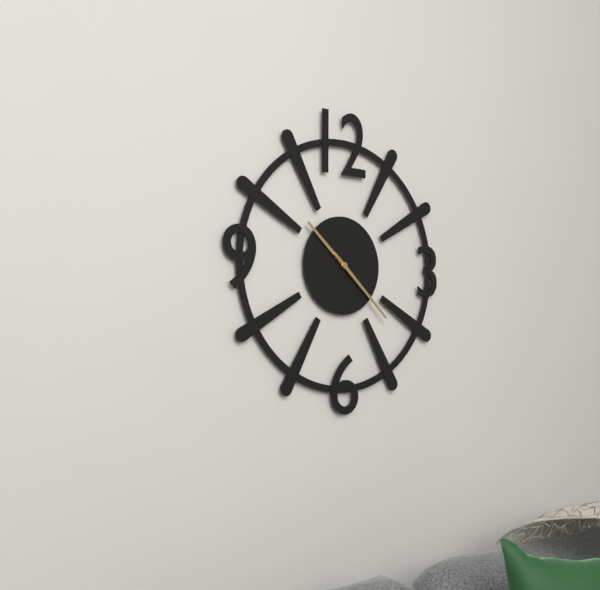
10:22
